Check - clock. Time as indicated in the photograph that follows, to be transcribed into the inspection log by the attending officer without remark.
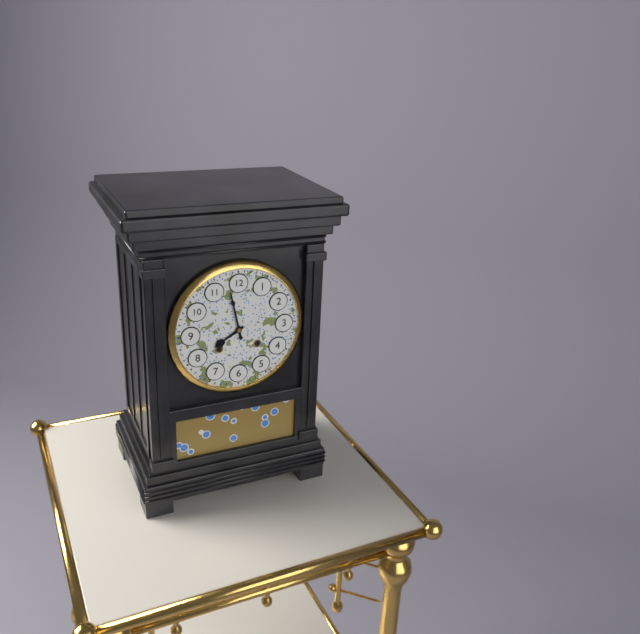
7:58
